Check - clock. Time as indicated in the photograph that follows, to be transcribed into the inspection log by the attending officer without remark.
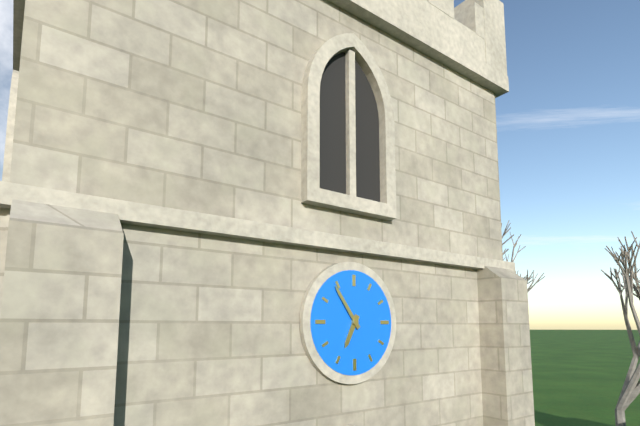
6:54
